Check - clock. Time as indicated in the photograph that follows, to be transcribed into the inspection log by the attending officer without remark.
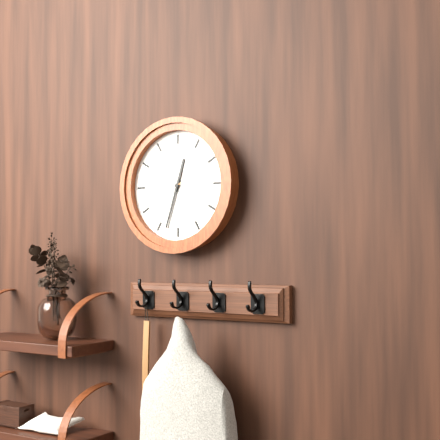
12:33:41
